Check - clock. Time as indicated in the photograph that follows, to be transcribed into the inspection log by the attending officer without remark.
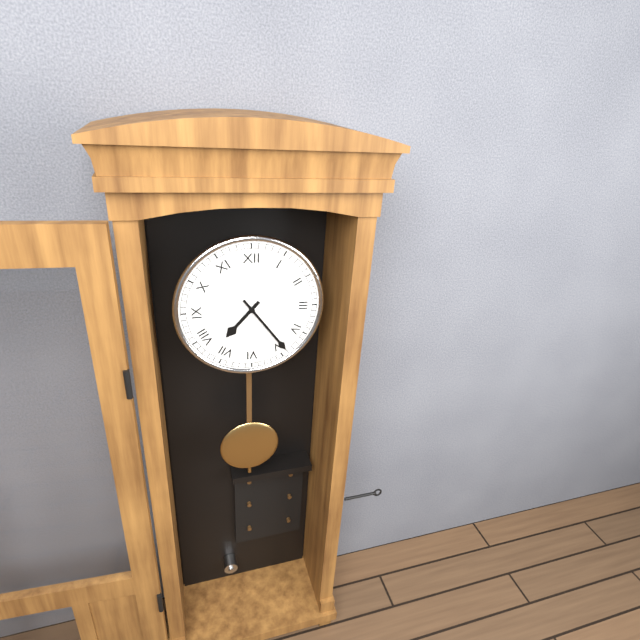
7:24
